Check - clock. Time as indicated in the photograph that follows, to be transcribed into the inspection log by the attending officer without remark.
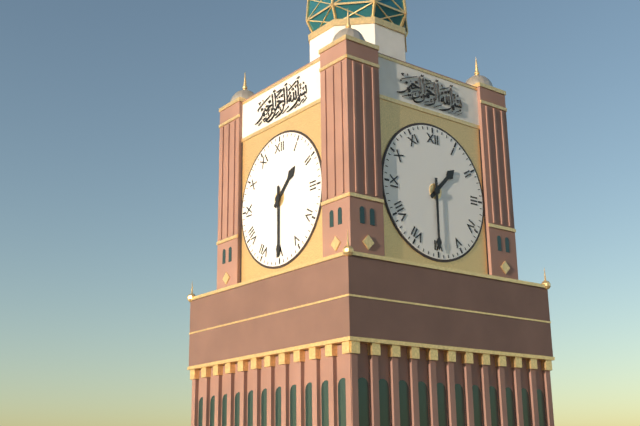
1:30
